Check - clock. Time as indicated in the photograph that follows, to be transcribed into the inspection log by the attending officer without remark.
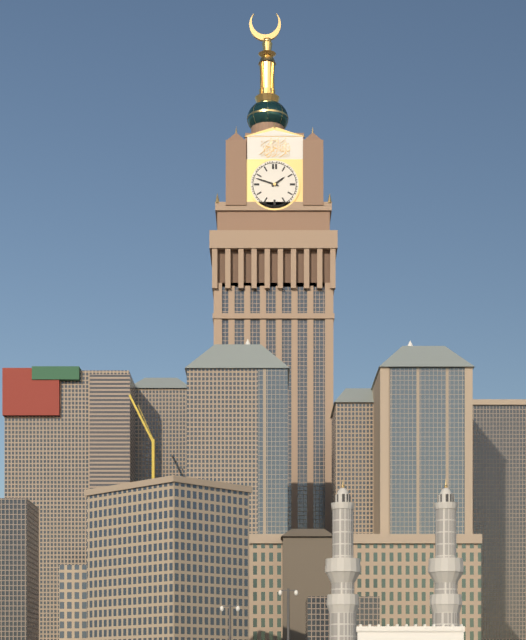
1:48
